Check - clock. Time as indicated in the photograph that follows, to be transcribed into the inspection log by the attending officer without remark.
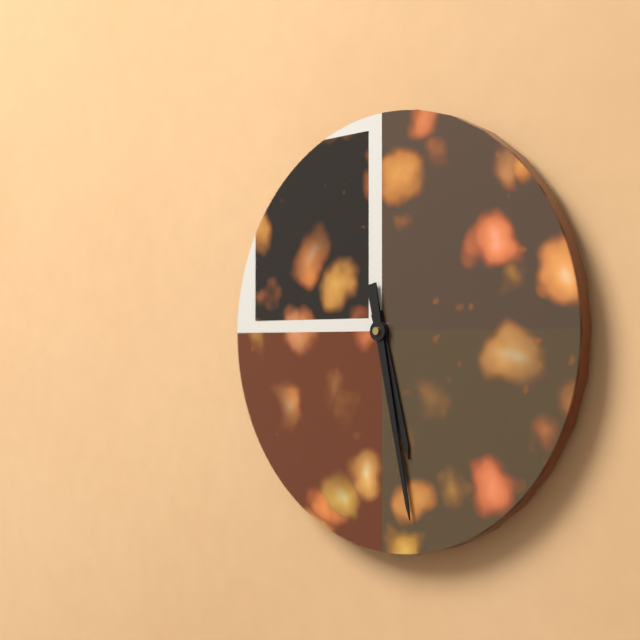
5:28
